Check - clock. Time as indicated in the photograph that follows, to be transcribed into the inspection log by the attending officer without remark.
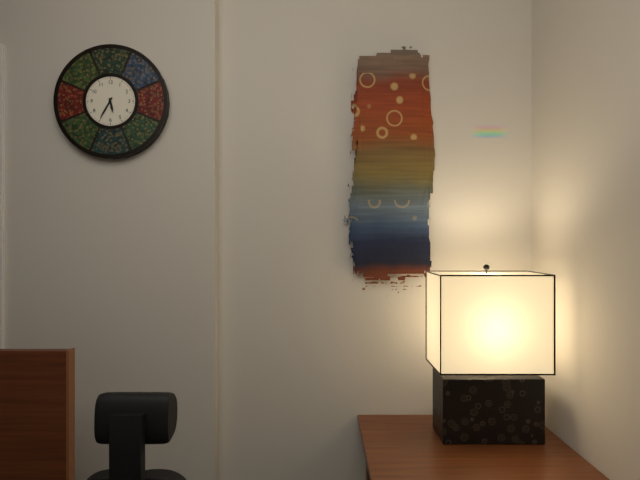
5:35
